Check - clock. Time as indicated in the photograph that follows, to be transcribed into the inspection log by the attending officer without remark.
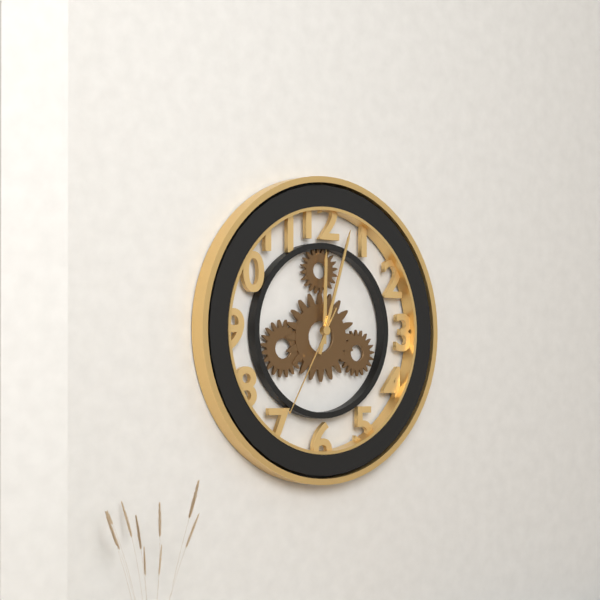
12:03:35
